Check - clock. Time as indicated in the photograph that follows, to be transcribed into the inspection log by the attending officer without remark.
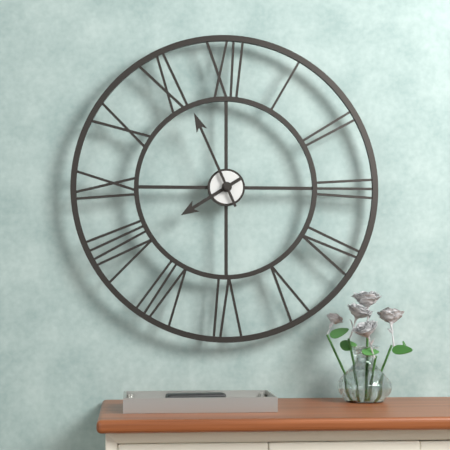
7:56
